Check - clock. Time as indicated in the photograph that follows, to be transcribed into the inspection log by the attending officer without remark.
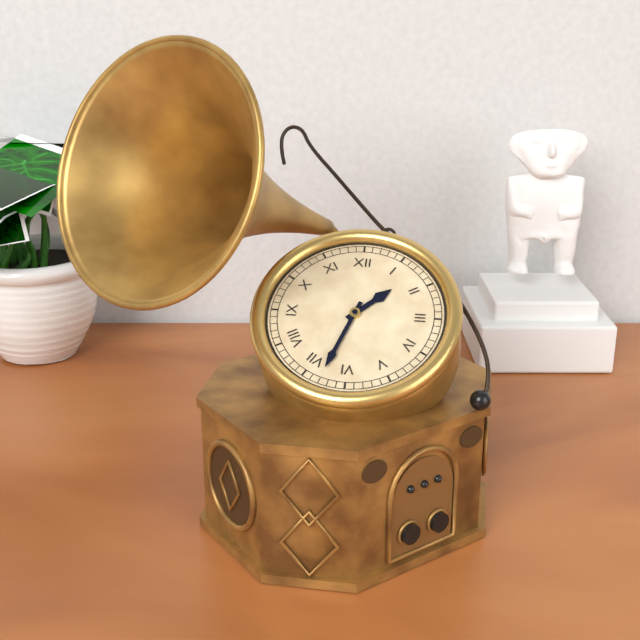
1:33
